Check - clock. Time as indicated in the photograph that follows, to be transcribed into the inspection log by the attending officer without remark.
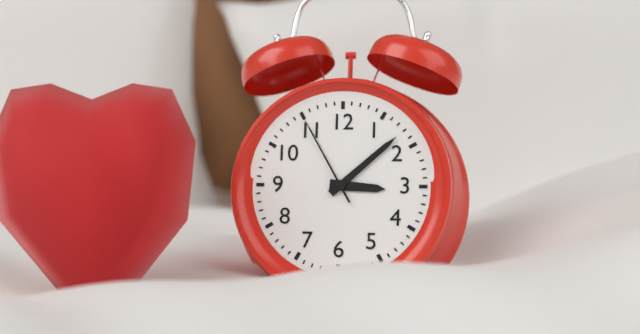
3:08:55
